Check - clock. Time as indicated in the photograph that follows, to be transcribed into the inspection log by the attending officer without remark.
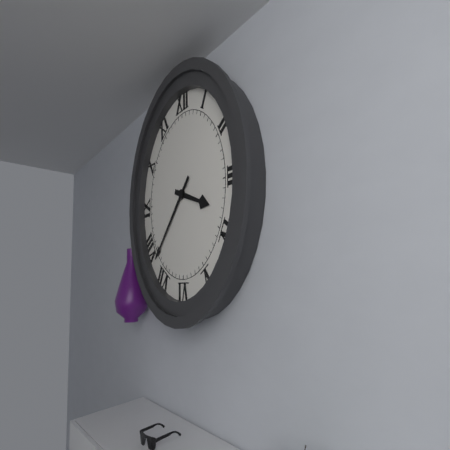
3:38
